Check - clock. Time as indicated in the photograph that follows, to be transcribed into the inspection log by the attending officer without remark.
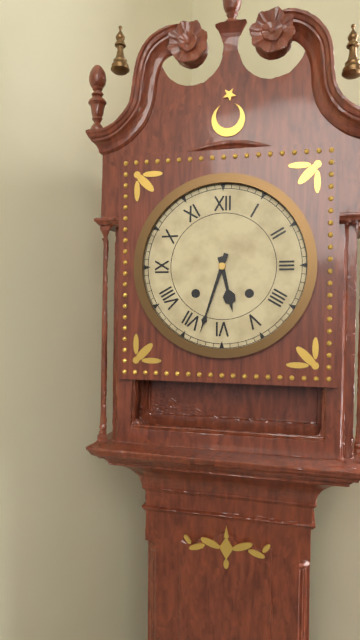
5:33
